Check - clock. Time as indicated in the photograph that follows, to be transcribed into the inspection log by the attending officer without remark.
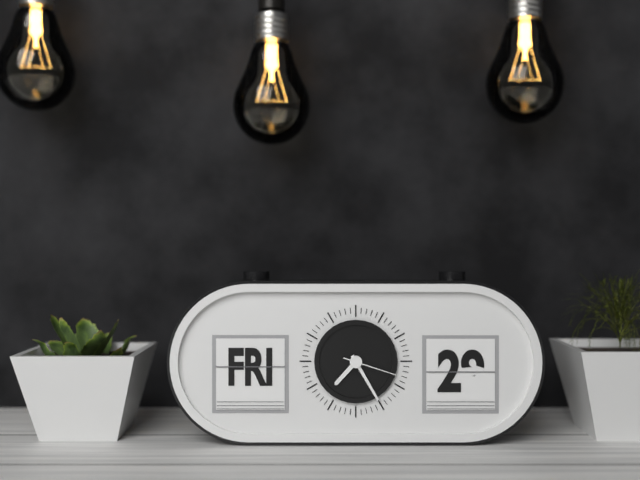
7:25:18
